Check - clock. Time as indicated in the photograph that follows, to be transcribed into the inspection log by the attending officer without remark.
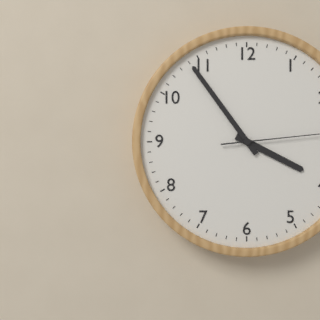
3:54
